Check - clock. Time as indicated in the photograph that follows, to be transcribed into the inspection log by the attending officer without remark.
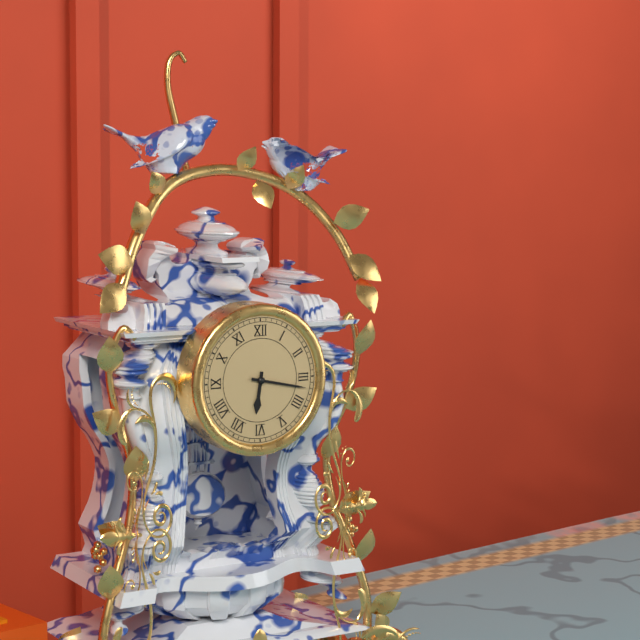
6:17
